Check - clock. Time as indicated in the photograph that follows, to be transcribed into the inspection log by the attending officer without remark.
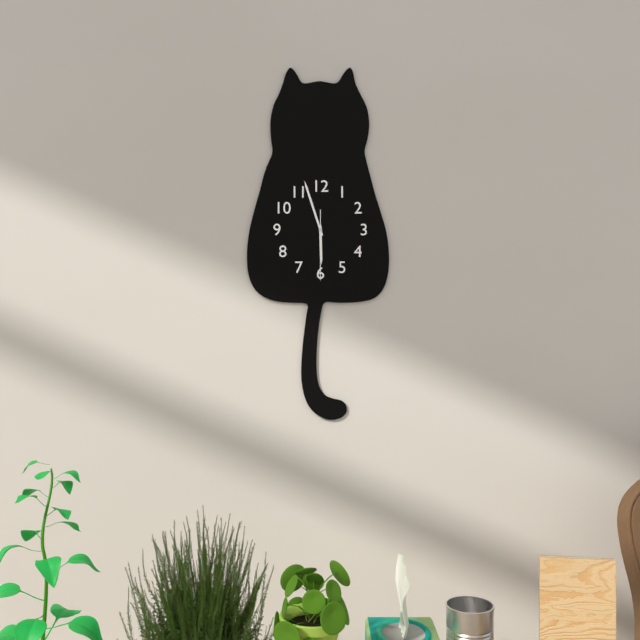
5:57:30
